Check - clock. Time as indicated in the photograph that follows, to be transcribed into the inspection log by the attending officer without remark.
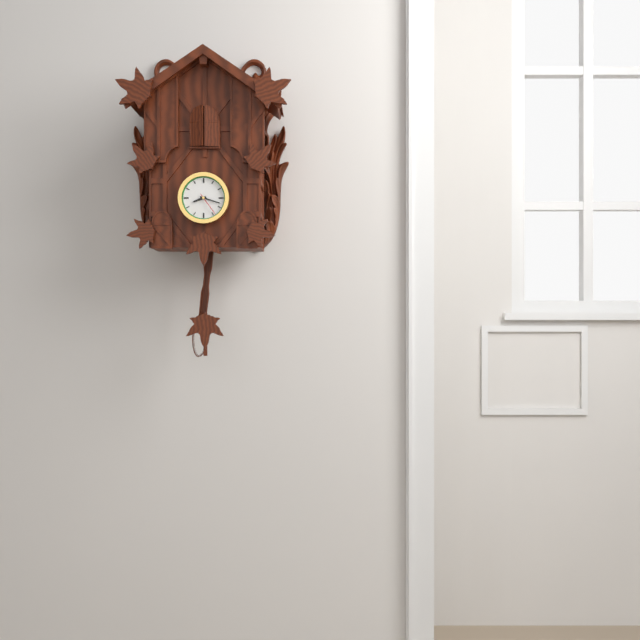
8:18
